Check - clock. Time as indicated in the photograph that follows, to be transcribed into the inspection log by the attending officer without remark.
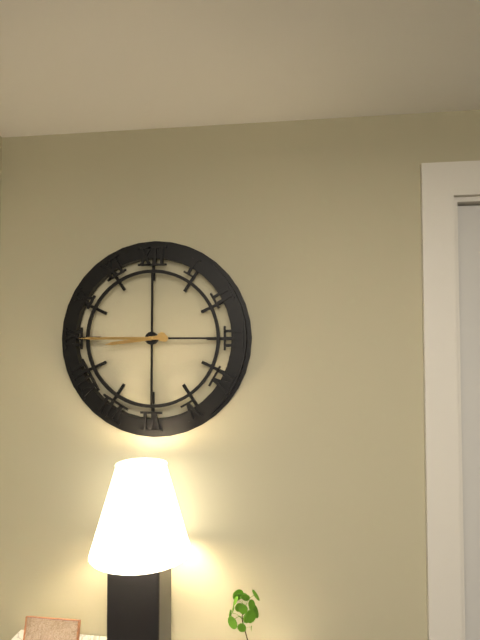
8:45
